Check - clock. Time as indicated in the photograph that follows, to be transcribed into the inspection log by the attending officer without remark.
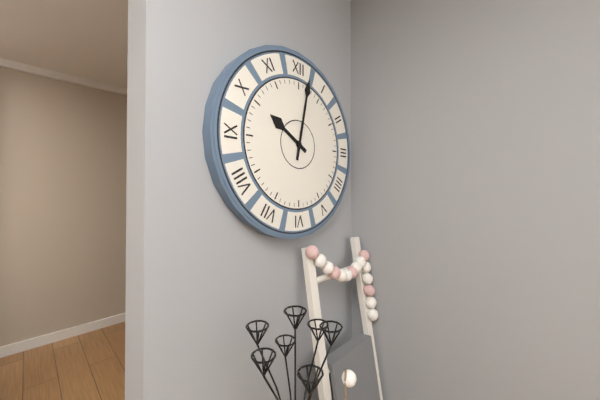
10:02
